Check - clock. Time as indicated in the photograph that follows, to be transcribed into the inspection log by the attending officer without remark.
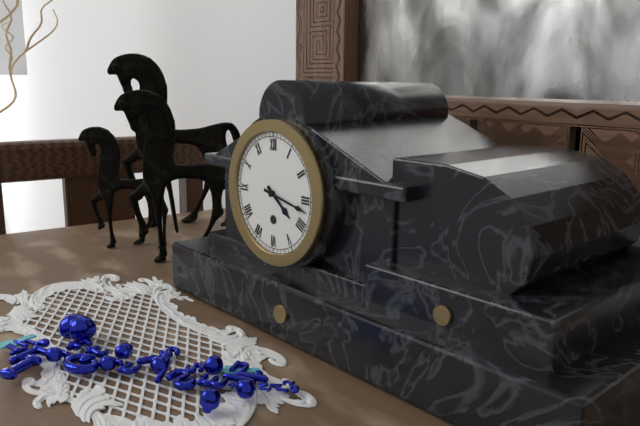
4:17
